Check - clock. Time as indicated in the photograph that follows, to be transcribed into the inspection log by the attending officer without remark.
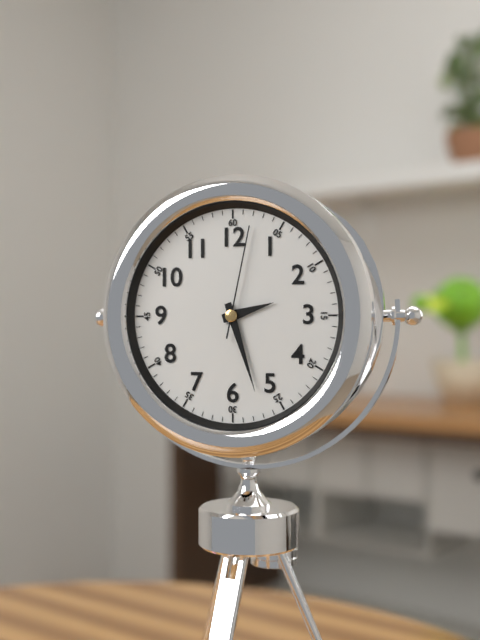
2:27:02
